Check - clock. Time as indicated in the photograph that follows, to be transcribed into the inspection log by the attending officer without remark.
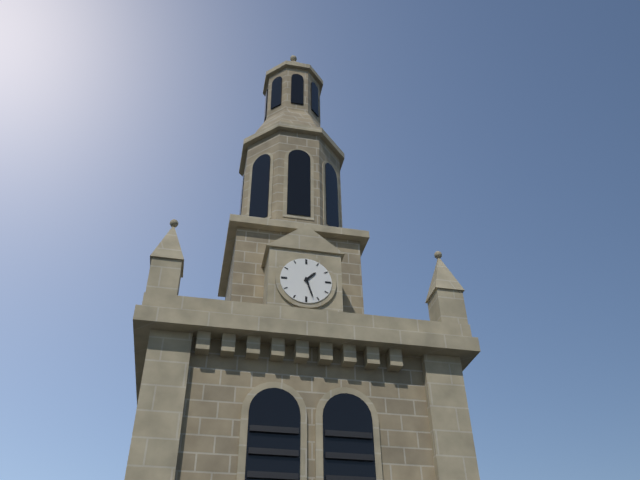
1:27
